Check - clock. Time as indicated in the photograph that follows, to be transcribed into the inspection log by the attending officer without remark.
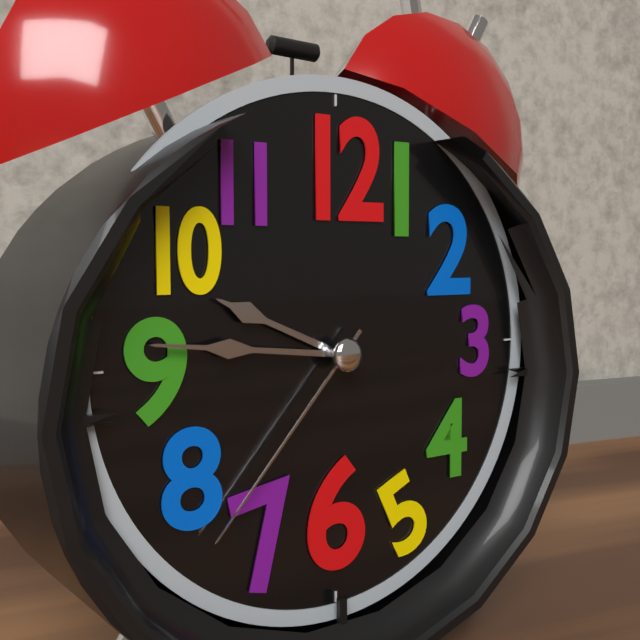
9:46:37
